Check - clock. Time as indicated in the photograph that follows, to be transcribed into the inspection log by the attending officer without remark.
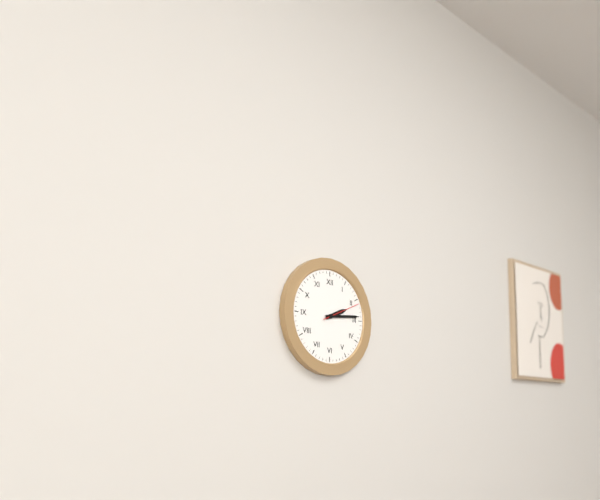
2:14
